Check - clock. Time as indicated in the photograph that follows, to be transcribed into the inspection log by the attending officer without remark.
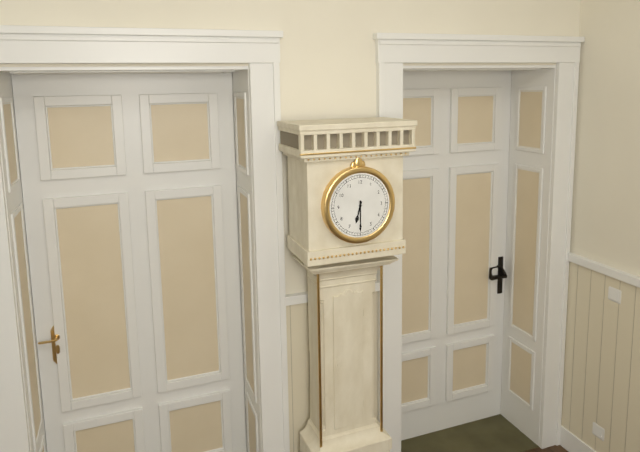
6:30
